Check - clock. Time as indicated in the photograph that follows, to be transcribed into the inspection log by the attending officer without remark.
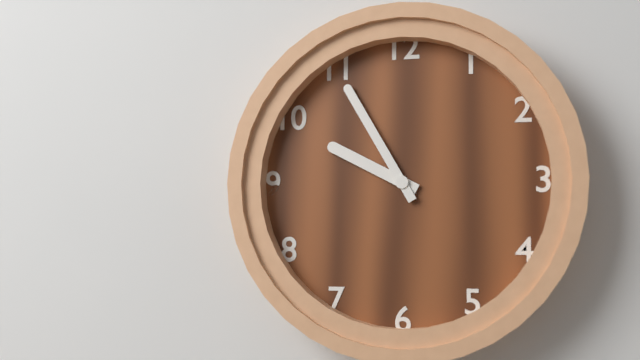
9:55
